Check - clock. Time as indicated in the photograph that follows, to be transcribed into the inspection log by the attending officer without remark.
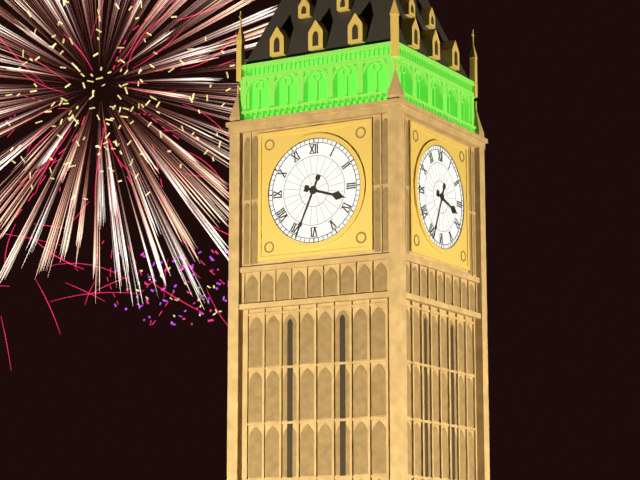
3:34
